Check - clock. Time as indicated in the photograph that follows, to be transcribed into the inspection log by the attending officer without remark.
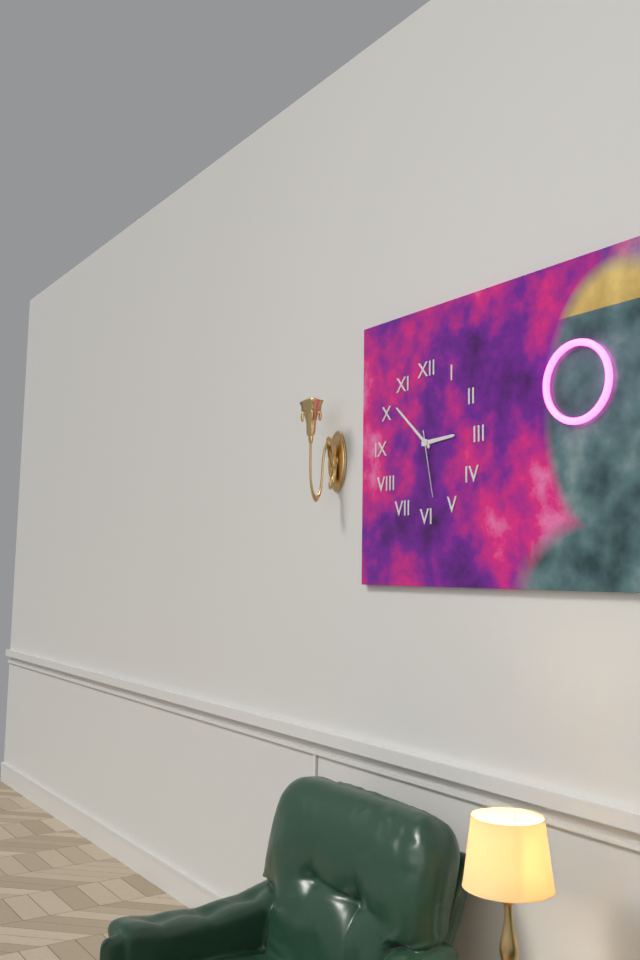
2:52:28
